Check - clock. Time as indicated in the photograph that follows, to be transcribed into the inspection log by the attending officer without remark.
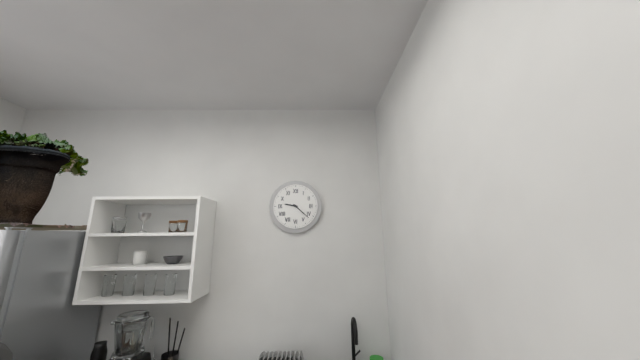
9:22
